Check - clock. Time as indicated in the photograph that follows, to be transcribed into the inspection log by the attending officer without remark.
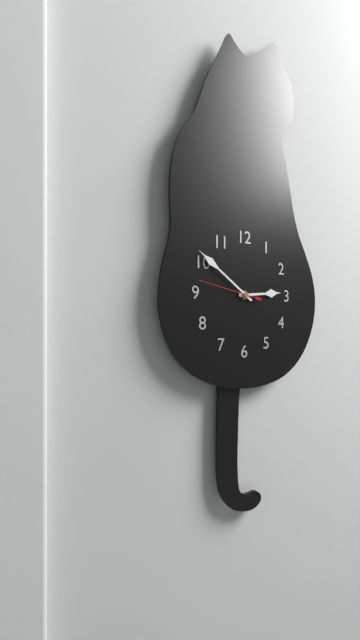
2:51:47
